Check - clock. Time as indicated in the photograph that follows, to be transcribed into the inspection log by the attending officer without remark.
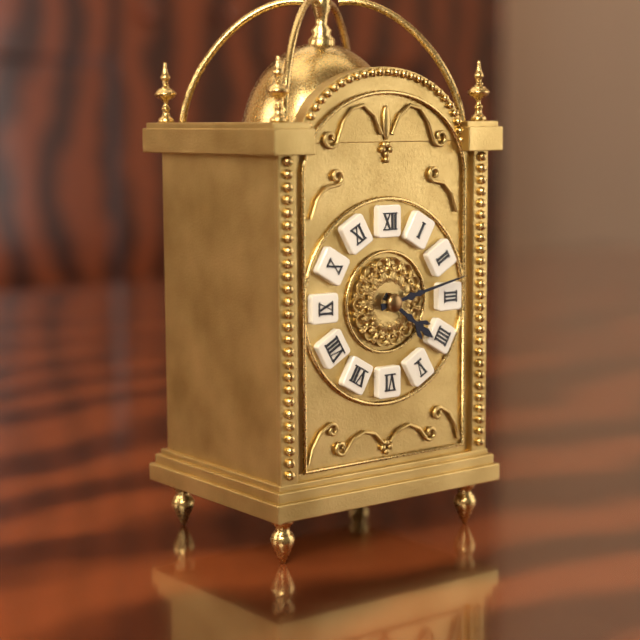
4:13
